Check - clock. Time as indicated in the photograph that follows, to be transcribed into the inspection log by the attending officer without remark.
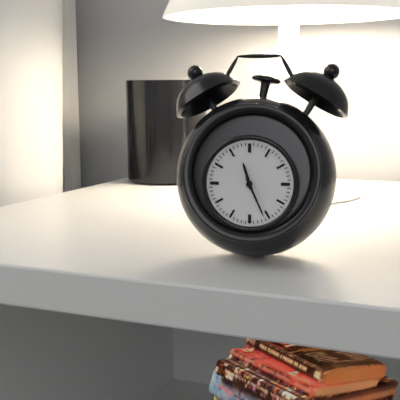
11:26
